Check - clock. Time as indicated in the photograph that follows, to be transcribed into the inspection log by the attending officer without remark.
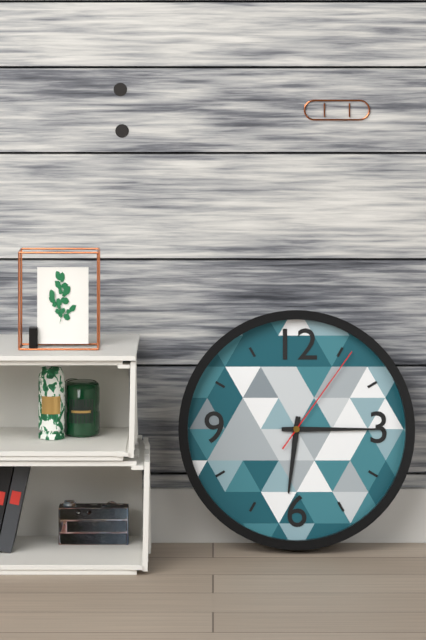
6:15:06
